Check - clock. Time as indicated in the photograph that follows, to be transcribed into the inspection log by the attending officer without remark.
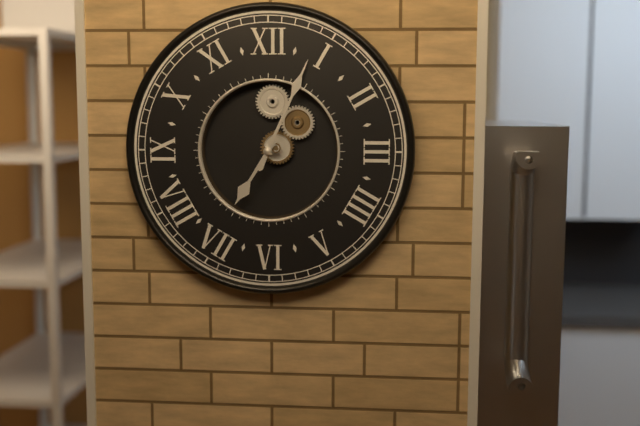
7:04
